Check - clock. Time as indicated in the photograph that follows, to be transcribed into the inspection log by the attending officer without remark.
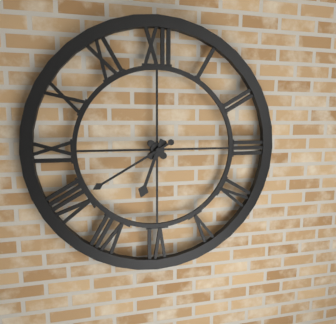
6:40
